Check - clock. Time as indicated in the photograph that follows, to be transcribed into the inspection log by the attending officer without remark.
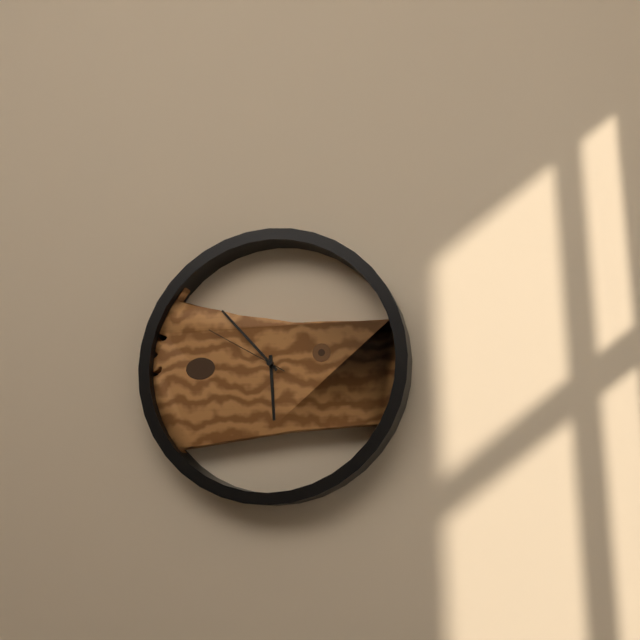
5:53:50
